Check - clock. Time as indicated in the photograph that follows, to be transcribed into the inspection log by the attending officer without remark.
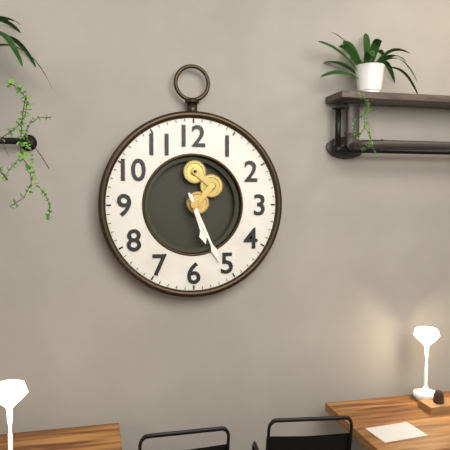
5:26
